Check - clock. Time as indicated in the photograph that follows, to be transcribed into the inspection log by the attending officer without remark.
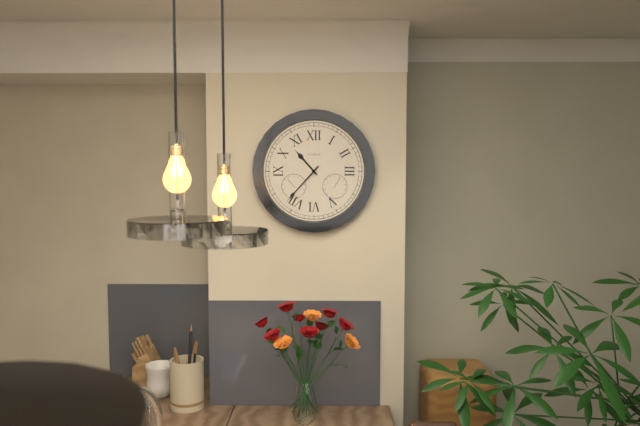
10:37
